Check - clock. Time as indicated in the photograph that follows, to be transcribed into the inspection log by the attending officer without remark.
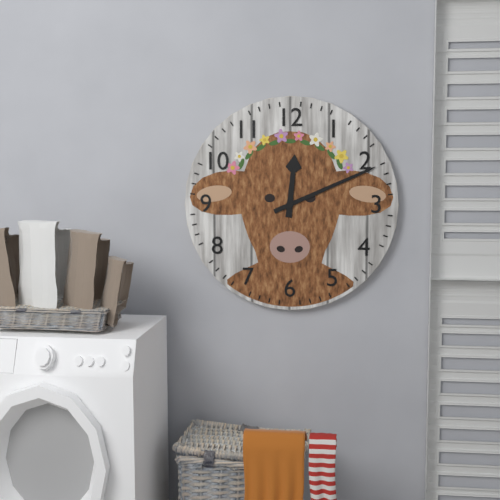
12:11
